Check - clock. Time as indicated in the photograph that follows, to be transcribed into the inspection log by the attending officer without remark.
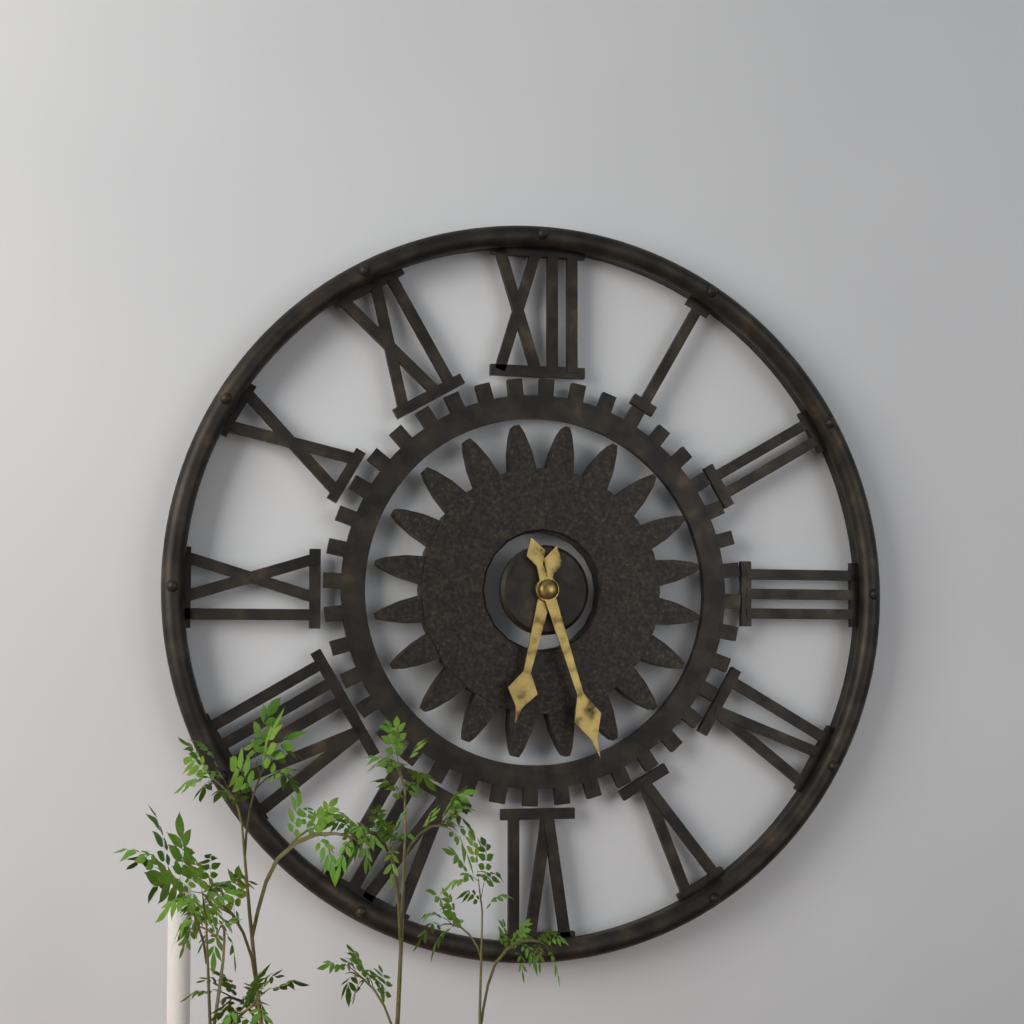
6:27
